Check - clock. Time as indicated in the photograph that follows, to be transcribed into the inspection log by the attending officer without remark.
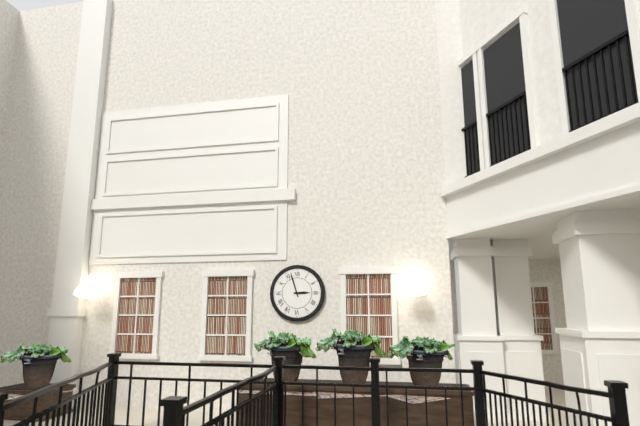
2:57
